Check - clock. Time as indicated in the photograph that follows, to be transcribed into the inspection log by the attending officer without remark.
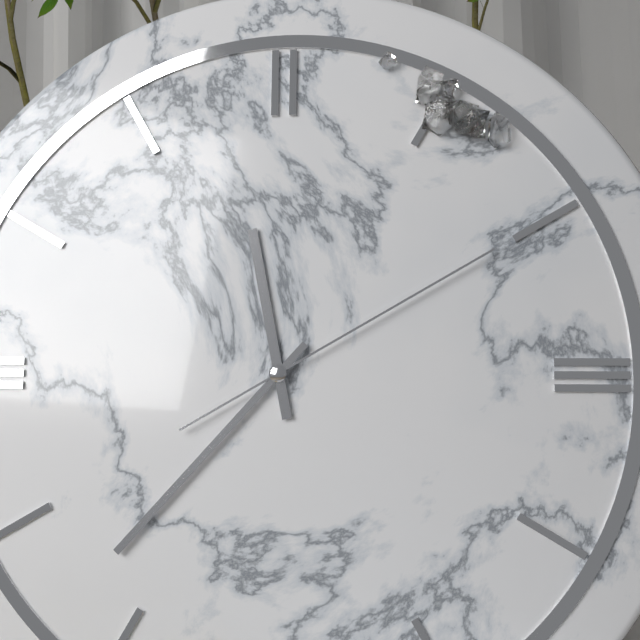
11:37:10
